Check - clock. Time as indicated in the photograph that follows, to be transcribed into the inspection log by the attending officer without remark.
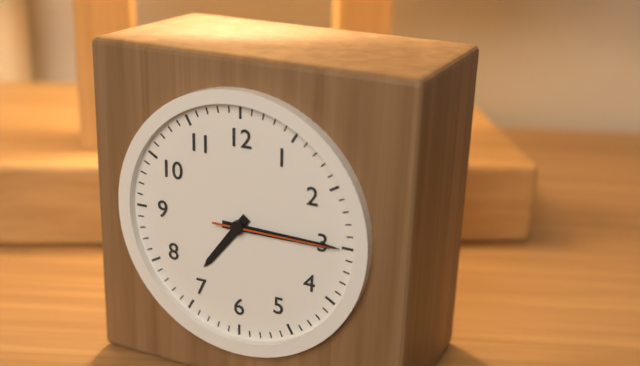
7:15:15
